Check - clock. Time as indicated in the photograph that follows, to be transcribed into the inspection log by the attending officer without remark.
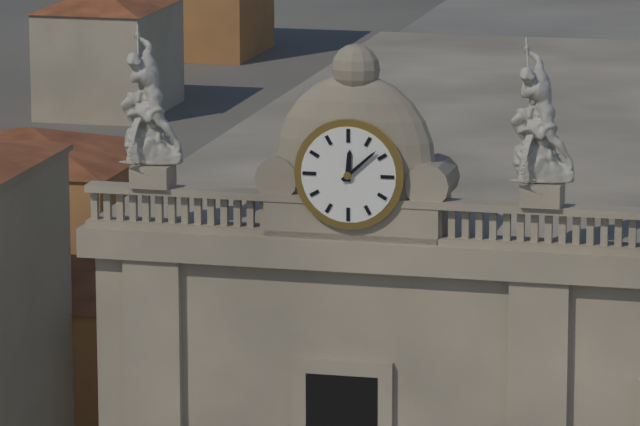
12:08
